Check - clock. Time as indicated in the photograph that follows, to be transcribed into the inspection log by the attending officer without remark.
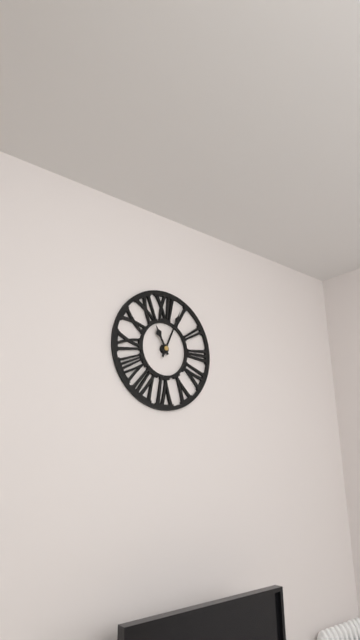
11:04
